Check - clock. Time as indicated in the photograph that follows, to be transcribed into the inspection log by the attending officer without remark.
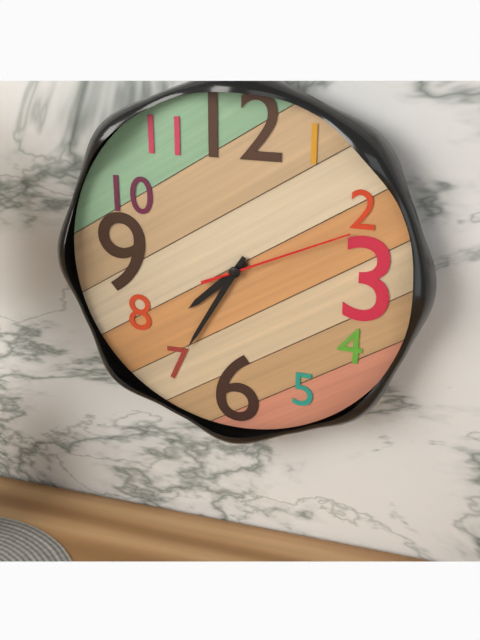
7:35:11
